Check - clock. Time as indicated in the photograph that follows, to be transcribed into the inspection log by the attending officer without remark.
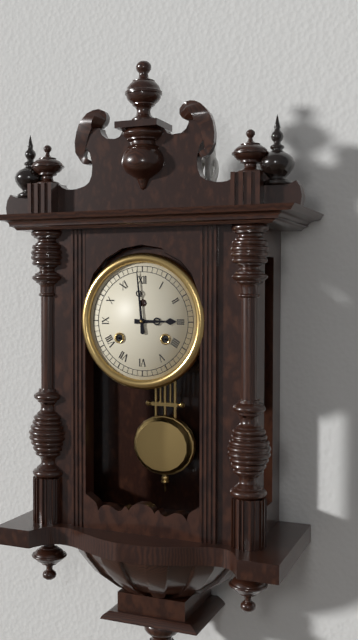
2:59
